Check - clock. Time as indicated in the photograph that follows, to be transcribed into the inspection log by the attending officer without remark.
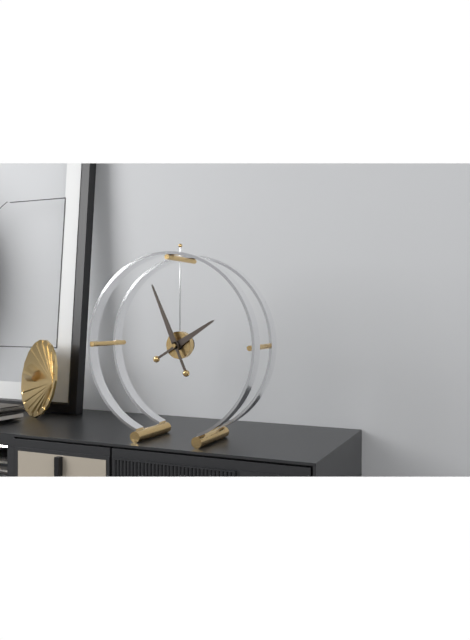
1:56
